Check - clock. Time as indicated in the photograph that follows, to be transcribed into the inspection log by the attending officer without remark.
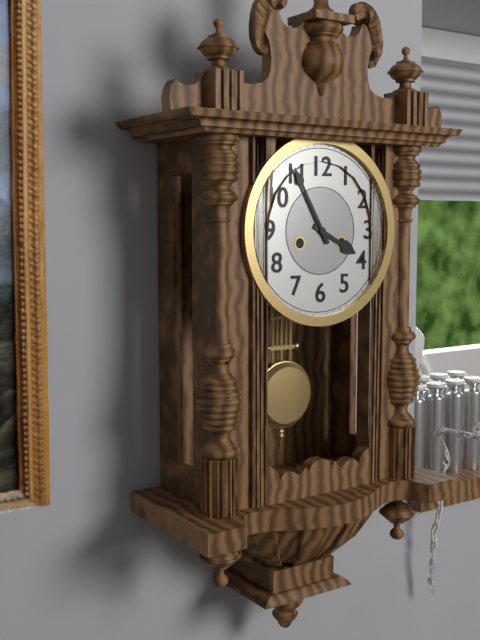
3:55
